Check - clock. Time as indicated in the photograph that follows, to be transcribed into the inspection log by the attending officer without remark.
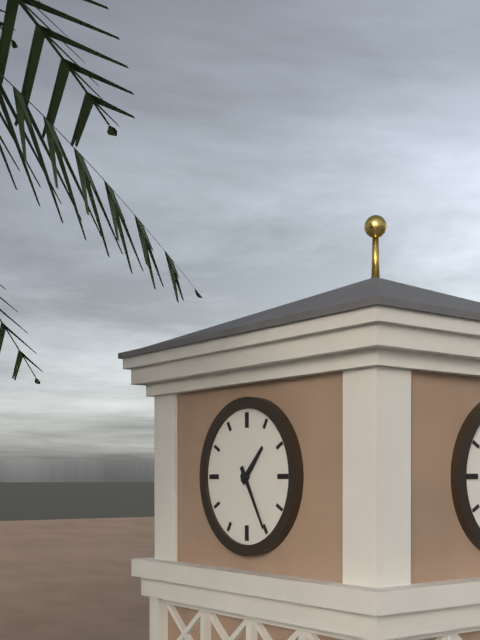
1:25
